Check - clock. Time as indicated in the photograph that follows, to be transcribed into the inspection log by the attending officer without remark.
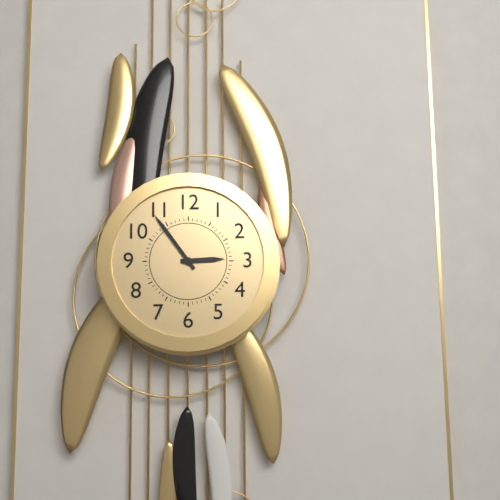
2:54
